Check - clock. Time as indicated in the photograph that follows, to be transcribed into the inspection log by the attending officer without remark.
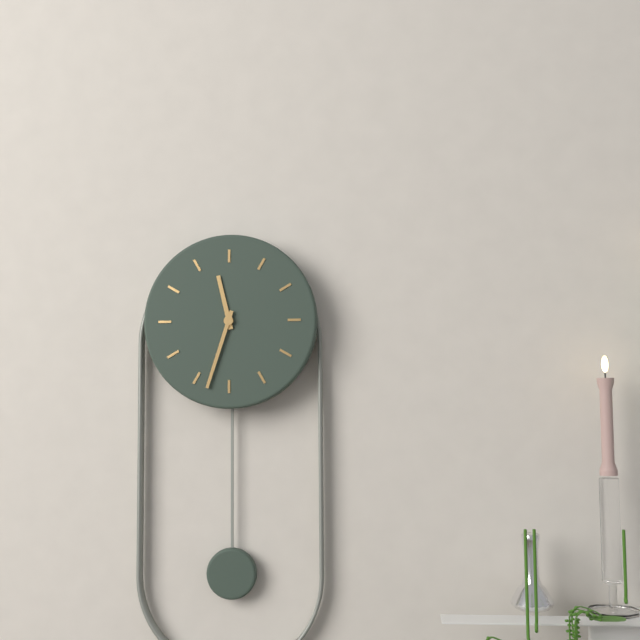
11:33
